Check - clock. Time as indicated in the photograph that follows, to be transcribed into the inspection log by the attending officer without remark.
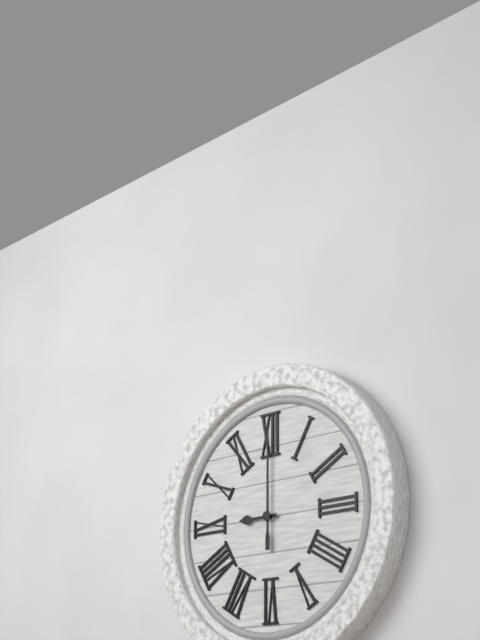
9:00
